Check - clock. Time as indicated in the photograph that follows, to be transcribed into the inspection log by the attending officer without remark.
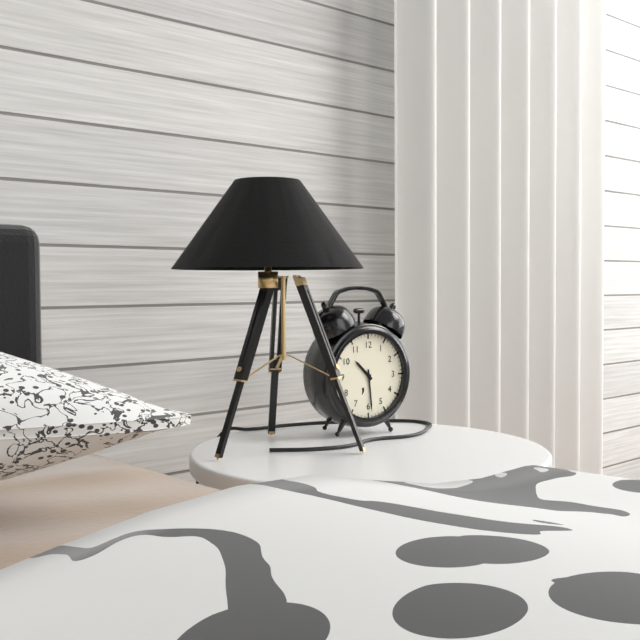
10:29
